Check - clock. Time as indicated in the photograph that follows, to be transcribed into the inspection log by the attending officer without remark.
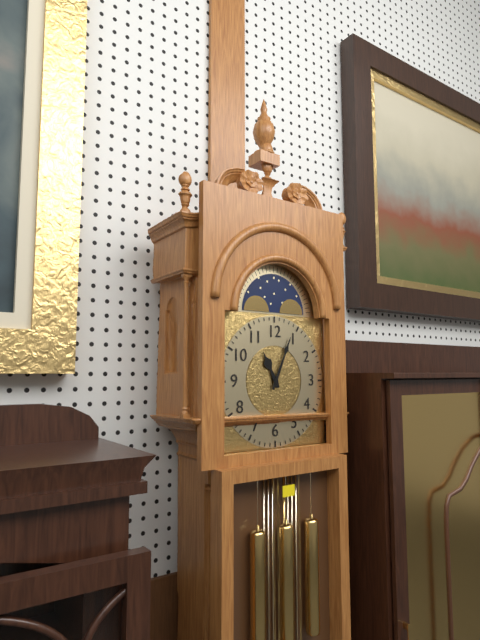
11:04
